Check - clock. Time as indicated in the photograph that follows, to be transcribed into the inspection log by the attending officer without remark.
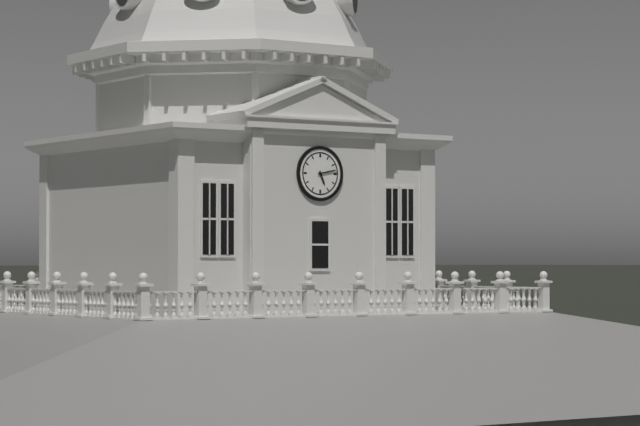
5:13
